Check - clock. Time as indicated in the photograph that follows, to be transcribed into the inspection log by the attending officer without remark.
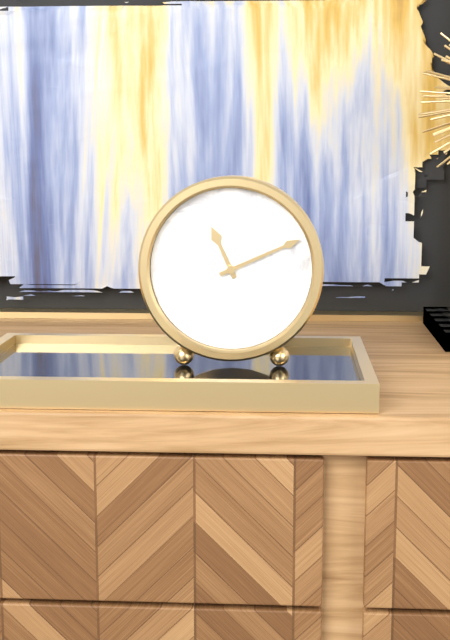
11:11
